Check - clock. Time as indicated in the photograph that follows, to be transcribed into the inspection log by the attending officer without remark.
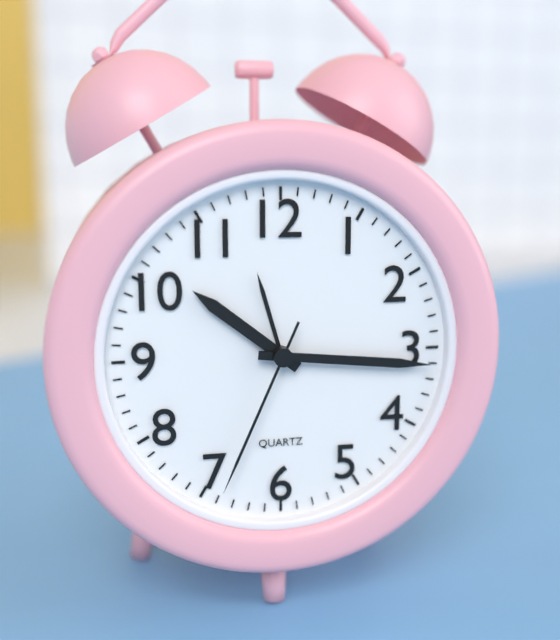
10:16:34
